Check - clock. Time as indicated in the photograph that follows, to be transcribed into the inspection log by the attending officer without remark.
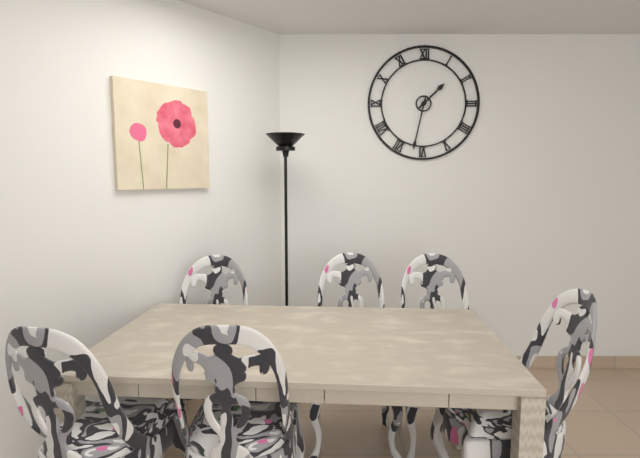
1:32
